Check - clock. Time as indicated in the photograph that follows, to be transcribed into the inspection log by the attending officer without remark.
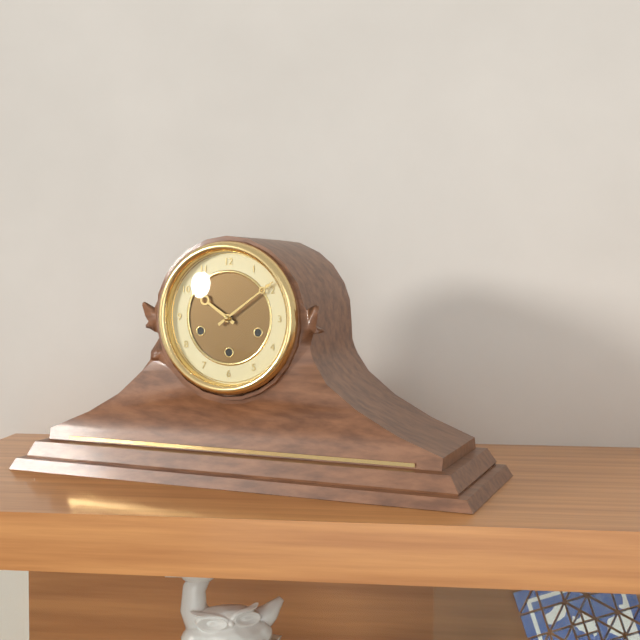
10:09
